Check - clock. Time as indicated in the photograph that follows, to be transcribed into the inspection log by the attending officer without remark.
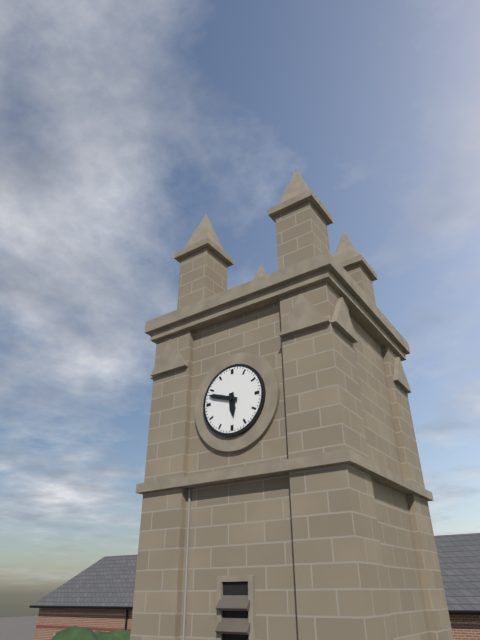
5:48
